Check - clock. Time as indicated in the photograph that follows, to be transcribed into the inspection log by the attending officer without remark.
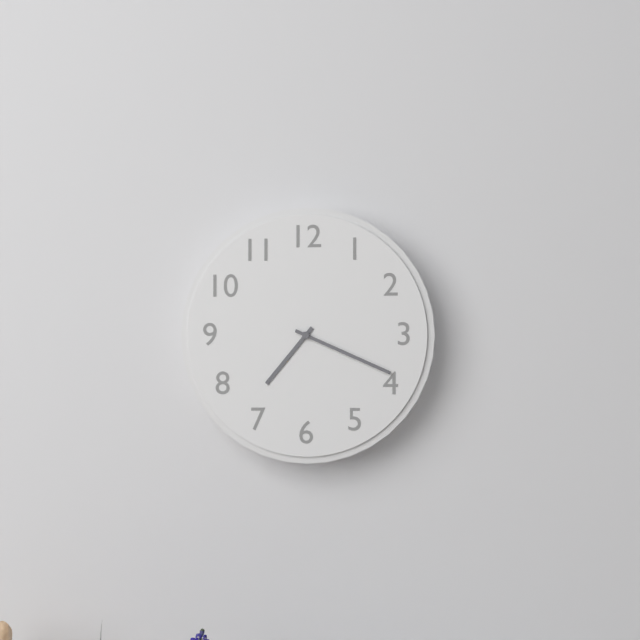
7:19
